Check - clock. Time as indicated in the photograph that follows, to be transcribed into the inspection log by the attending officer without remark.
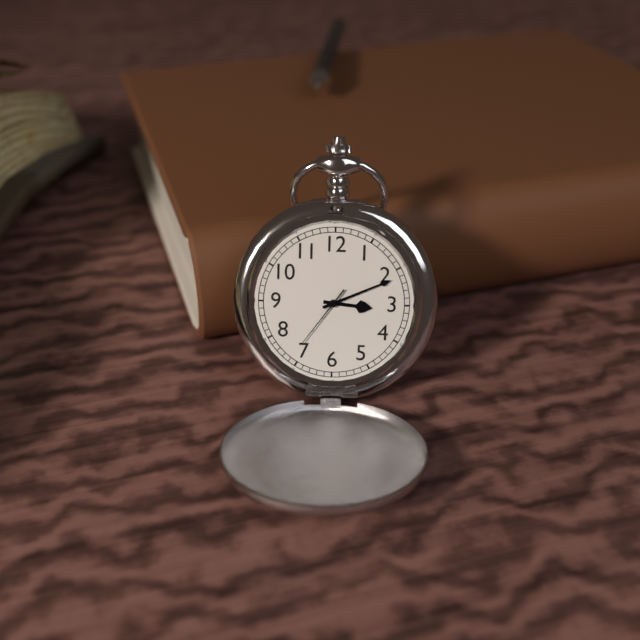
3:11:36
